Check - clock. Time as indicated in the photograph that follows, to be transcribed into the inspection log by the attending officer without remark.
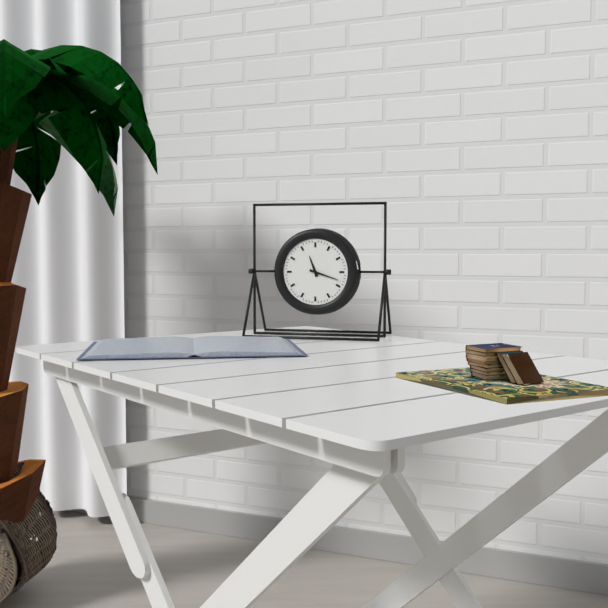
11:18
